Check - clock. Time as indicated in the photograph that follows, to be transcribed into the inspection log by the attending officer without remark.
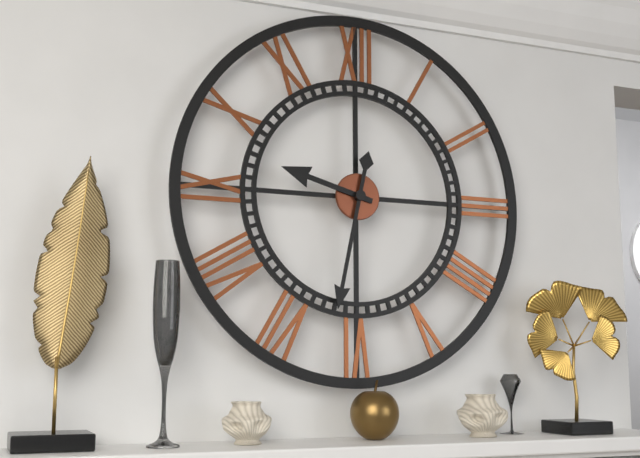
9:32
